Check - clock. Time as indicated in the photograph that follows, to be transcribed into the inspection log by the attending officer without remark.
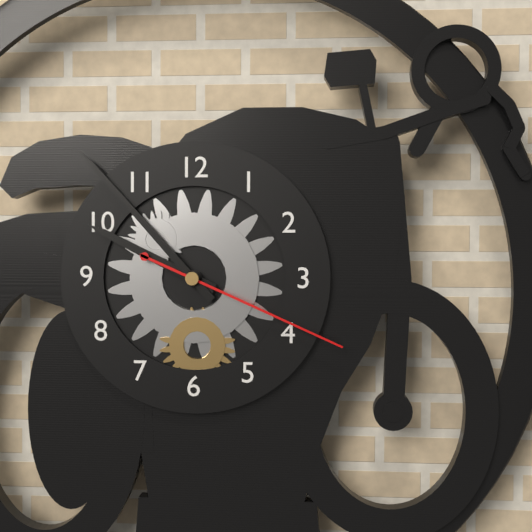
9:53:19
